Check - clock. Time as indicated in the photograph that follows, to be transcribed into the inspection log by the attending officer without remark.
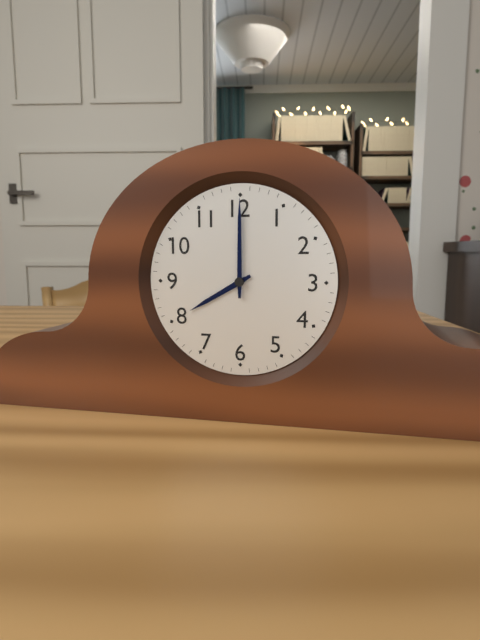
8:00
